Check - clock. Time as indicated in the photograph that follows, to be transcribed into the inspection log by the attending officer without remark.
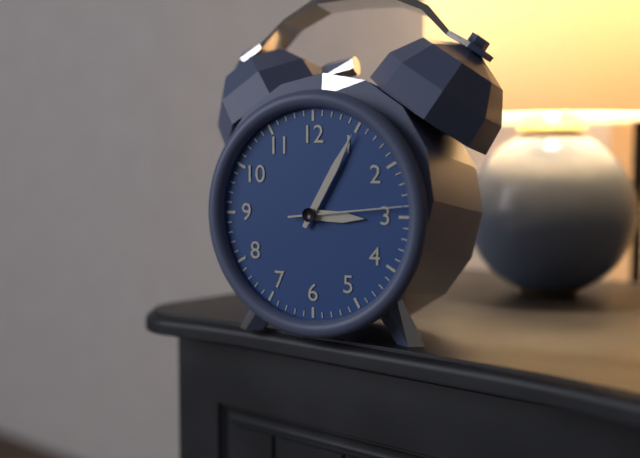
3:05:14
